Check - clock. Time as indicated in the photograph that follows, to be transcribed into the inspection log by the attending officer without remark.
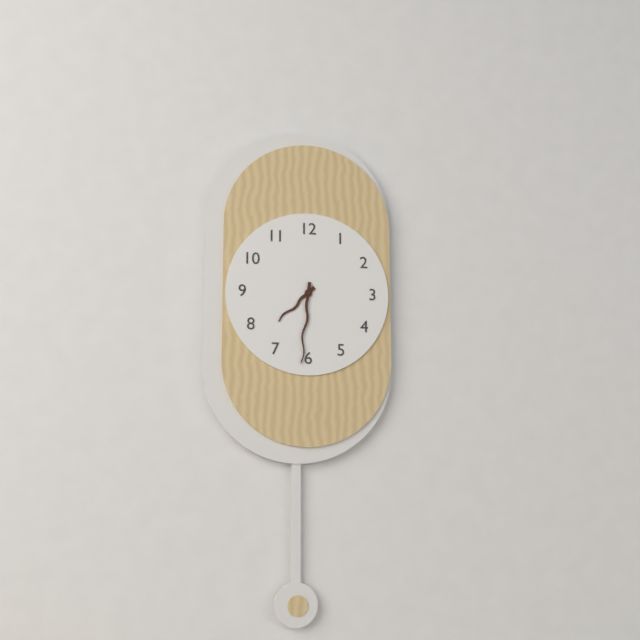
7:31
